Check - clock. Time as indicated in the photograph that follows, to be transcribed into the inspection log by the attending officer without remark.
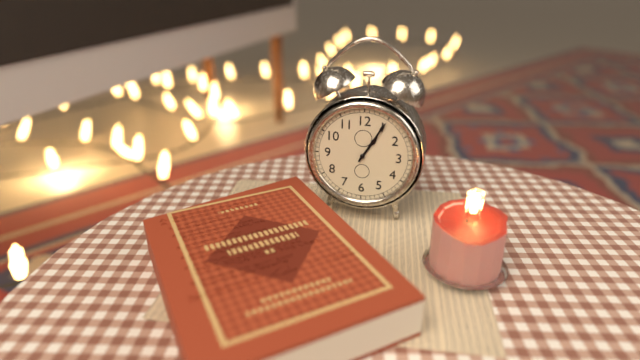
1:05
